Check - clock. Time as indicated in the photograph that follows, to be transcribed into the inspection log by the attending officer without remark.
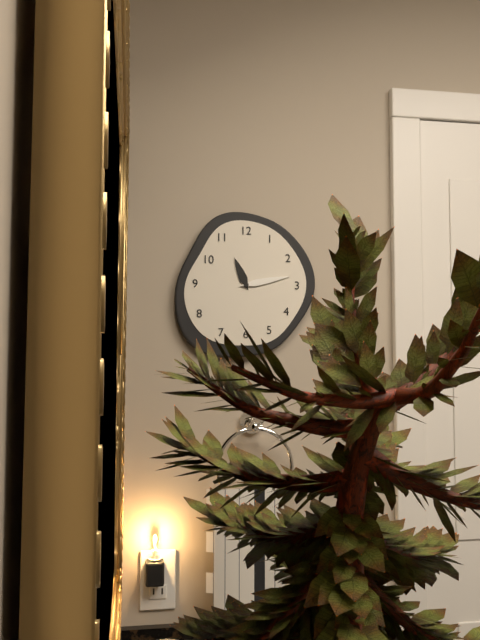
11:13
